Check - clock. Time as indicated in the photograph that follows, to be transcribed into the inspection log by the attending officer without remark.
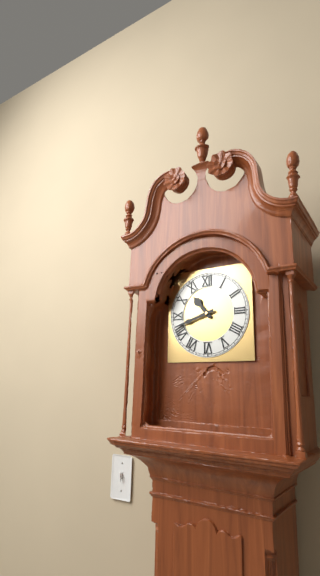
10:42
